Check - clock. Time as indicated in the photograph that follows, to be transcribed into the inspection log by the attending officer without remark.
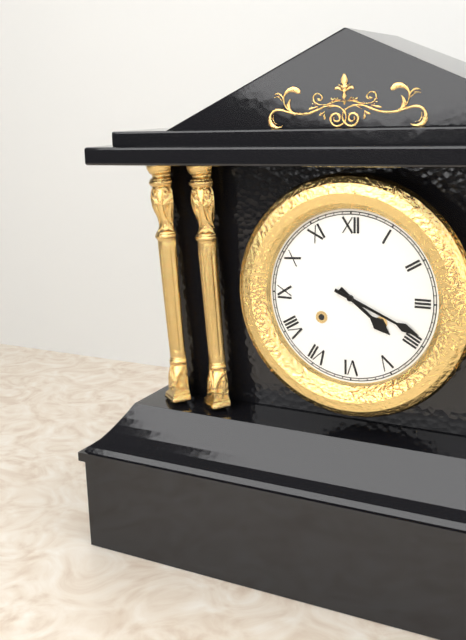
4:19
